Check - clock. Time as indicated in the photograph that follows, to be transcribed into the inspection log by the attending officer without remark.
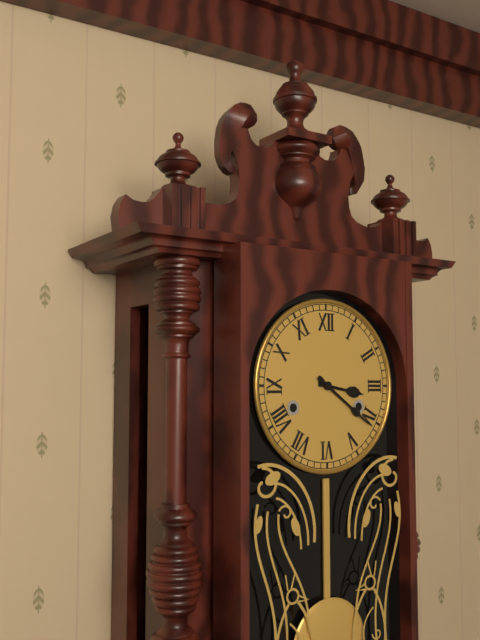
3:21
